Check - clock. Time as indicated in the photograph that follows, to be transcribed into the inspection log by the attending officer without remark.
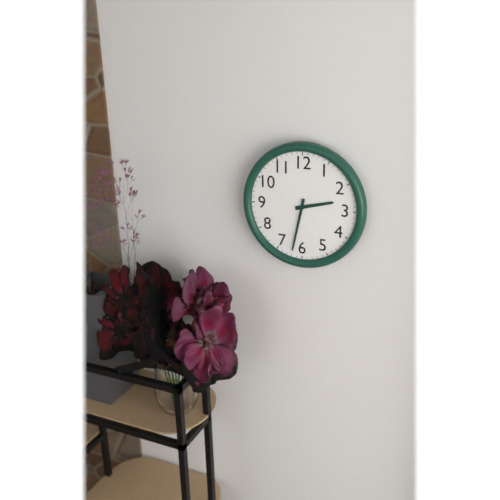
2:32
